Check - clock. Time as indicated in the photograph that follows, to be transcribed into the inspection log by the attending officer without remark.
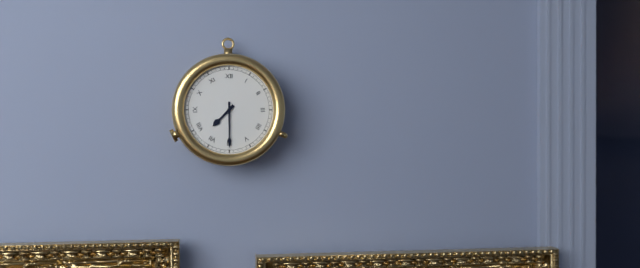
7:30
